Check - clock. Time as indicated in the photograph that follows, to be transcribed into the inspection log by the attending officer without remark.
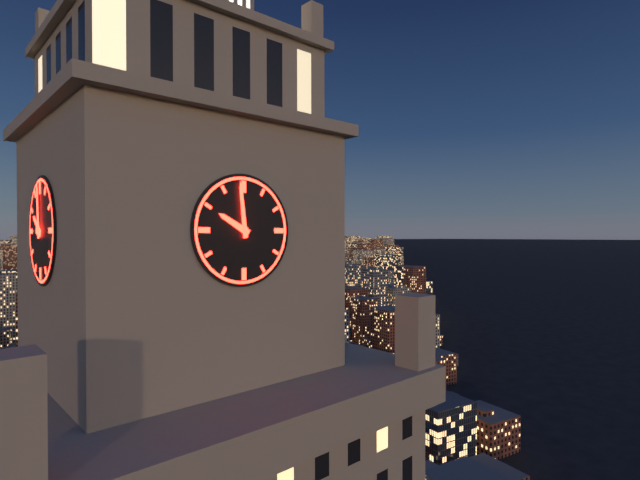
9:59
